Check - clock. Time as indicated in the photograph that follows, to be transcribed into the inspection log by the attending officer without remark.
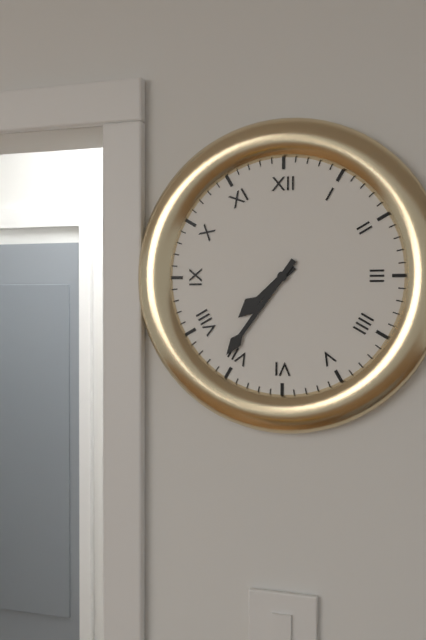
7:36
